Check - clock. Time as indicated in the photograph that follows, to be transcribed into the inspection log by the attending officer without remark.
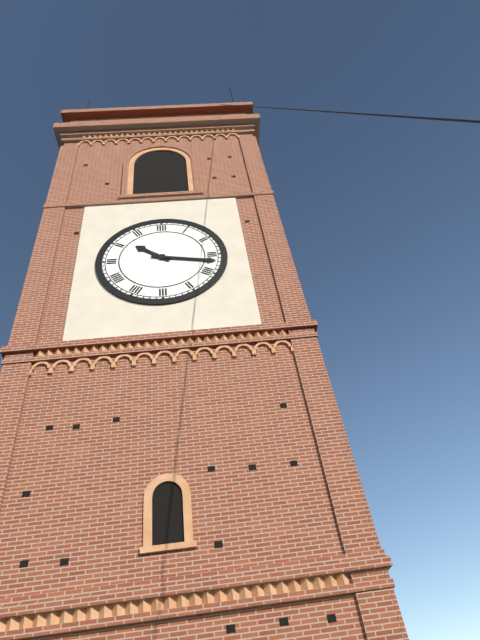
10:17
